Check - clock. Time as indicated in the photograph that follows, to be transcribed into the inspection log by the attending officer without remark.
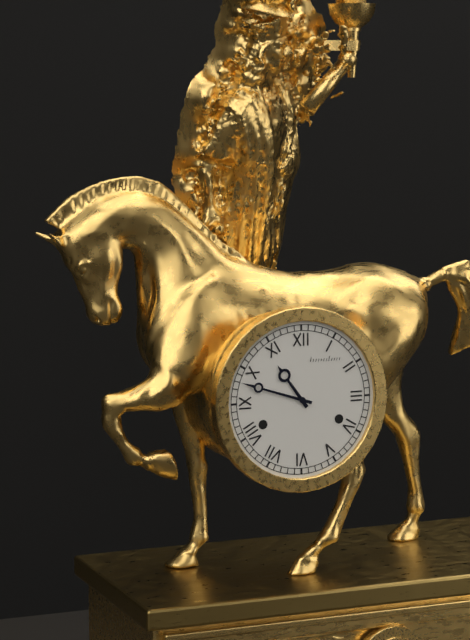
10:48
